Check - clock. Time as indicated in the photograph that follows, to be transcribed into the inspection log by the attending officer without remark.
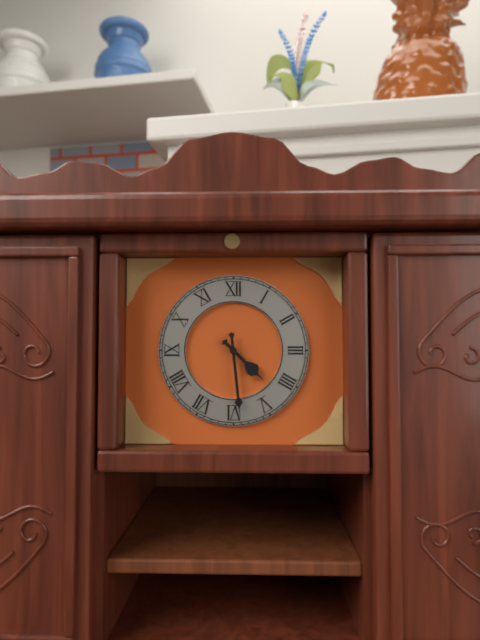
4:29
